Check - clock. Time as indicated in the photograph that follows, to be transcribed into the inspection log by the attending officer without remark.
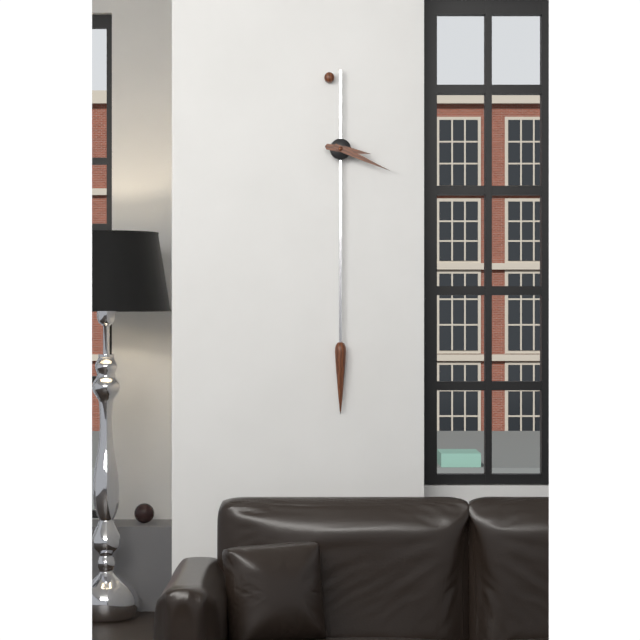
3:19
